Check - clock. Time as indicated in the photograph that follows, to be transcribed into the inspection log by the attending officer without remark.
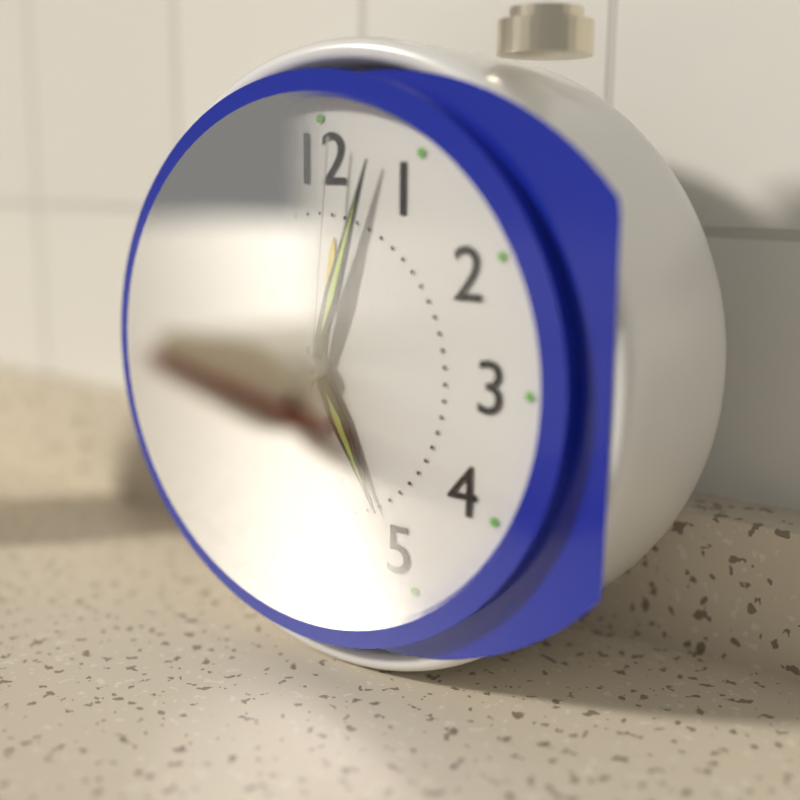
5:03:01
